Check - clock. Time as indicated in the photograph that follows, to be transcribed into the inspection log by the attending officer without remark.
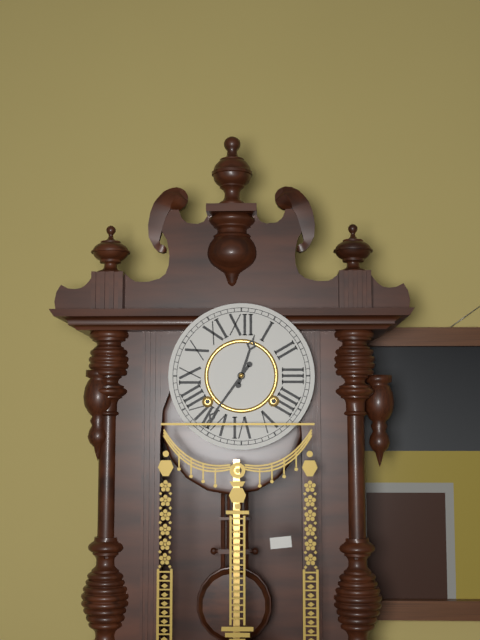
12:36
